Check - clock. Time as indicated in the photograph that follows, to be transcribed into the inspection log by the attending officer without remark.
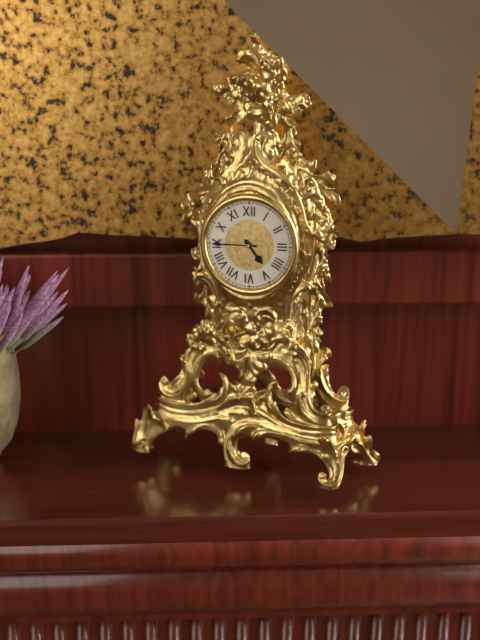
4:45
